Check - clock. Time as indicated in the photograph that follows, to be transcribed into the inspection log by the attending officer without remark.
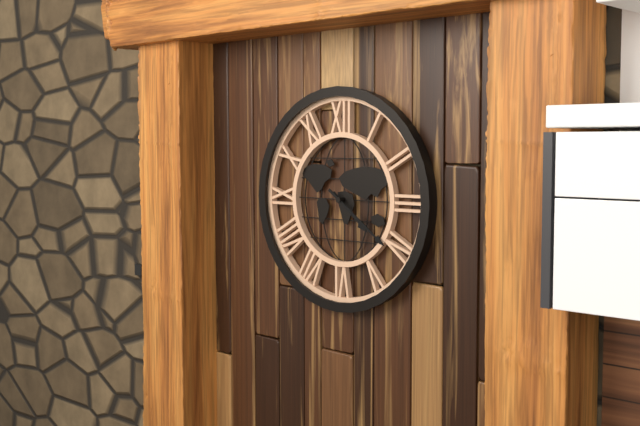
4:21
